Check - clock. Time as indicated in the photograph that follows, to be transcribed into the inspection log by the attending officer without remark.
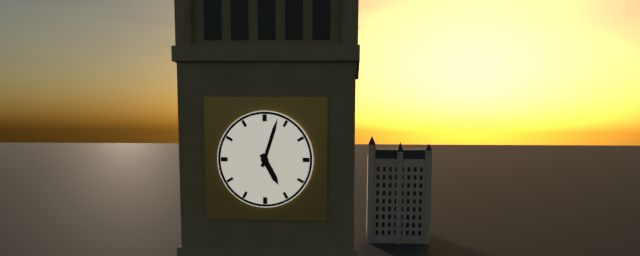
5:03
